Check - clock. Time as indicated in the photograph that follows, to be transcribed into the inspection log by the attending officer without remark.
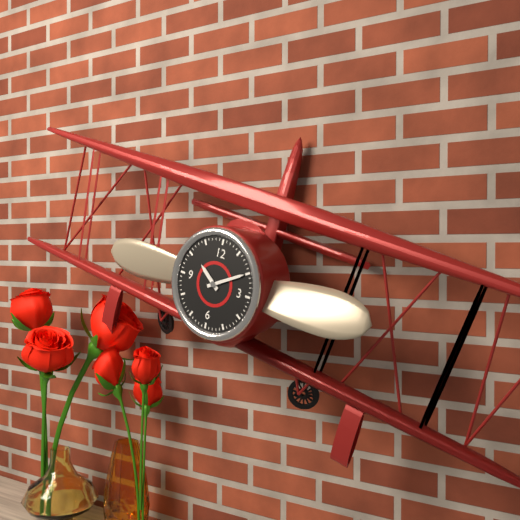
10:10
